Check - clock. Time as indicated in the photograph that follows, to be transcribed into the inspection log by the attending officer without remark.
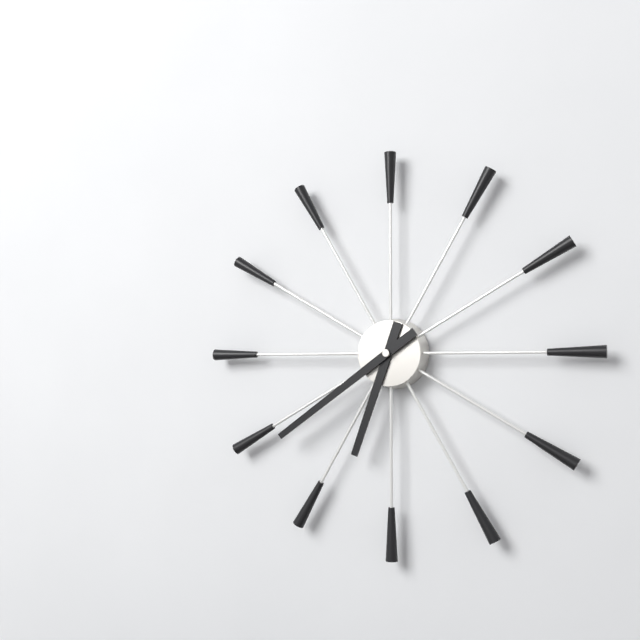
6:39
